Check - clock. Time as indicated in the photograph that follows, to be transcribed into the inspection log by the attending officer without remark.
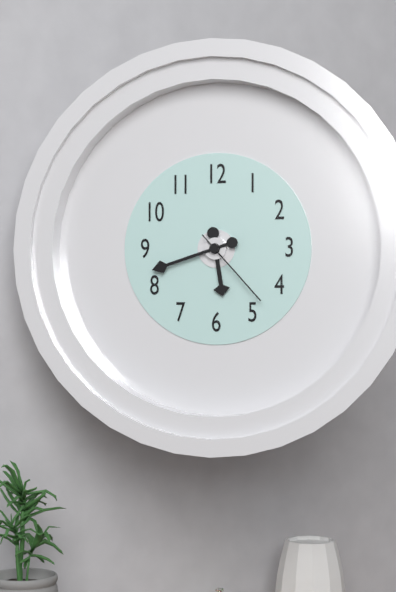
5:42:23
